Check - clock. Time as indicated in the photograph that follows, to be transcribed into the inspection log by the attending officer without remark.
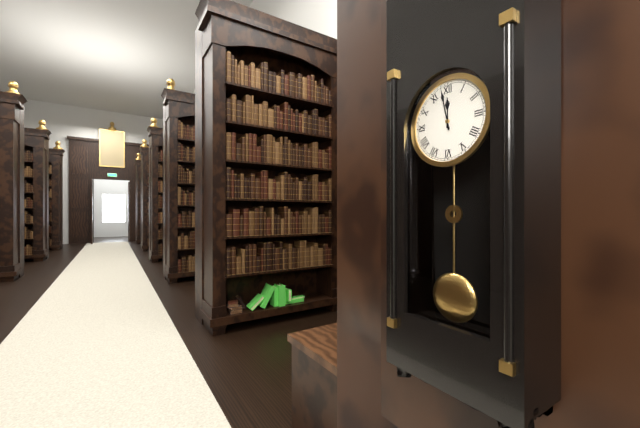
11:58
